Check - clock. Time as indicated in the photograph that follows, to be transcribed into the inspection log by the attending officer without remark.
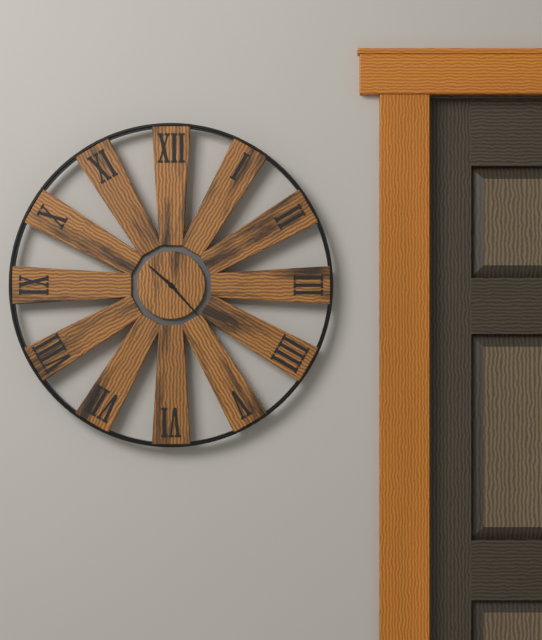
10:23
